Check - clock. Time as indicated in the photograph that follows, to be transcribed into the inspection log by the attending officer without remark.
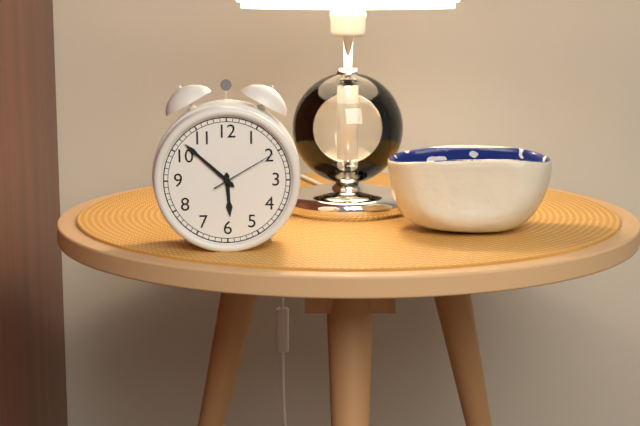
5:52:10
